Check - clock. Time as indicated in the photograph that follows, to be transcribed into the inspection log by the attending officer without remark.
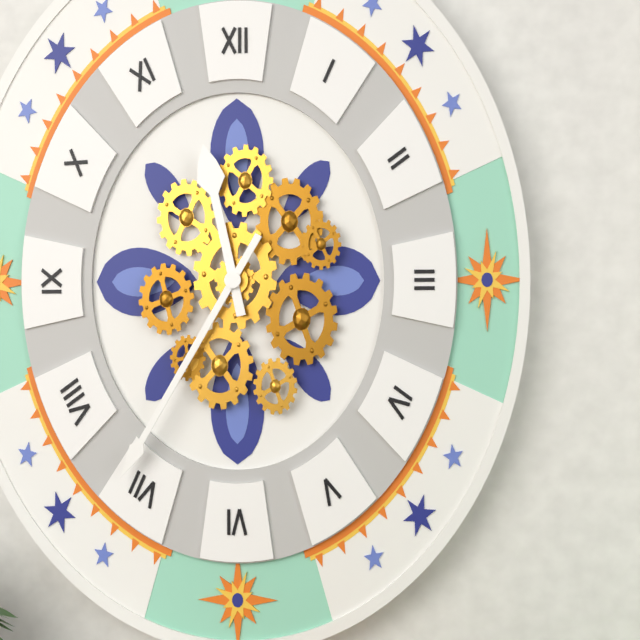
11:35
